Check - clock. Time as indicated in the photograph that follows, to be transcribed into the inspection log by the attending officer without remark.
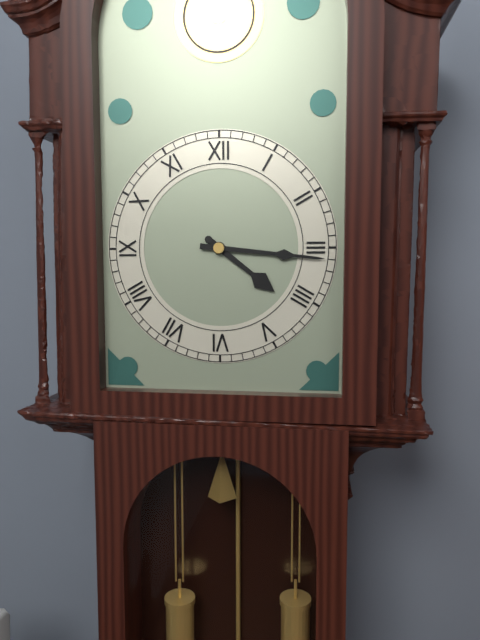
4:16
